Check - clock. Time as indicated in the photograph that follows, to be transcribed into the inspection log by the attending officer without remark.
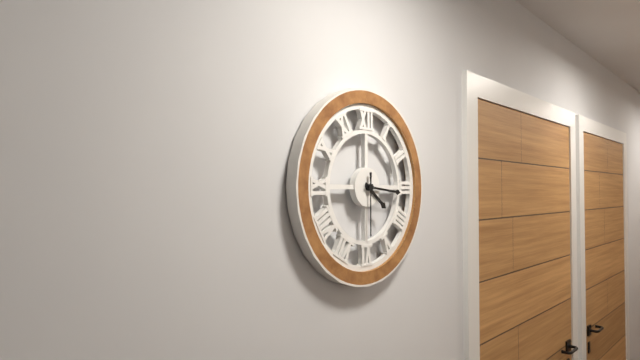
4:16:30
